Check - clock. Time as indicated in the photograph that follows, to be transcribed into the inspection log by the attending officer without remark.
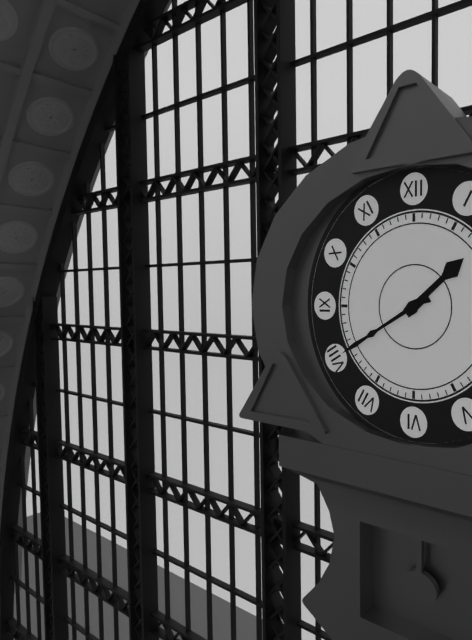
1:40
